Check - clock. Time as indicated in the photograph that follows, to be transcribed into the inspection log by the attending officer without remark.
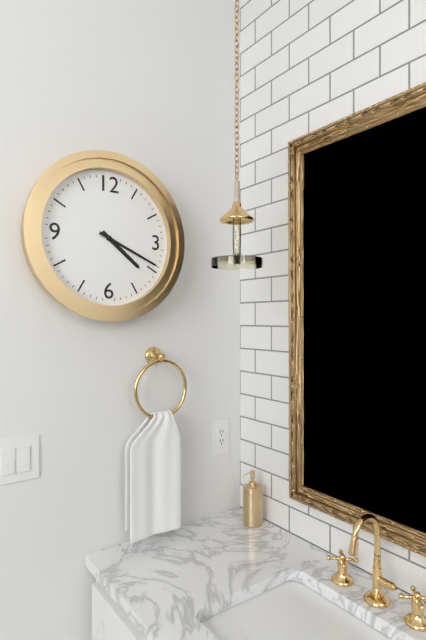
4:19
